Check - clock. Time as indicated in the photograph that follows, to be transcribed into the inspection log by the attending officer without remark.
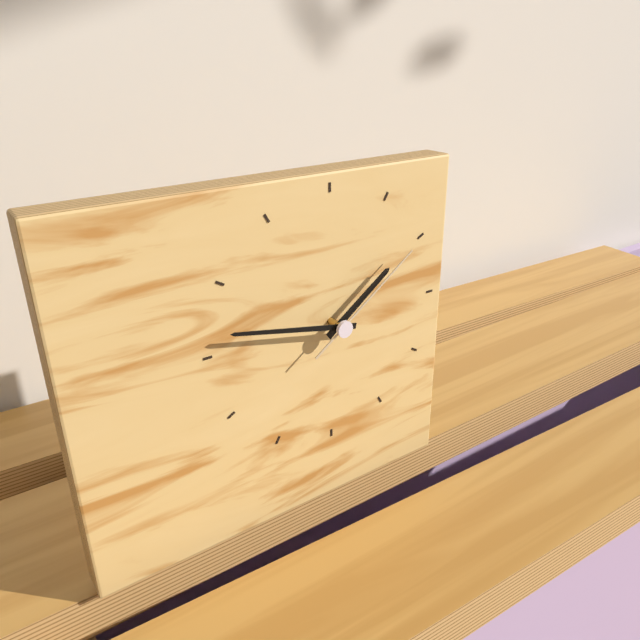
1:47:09
